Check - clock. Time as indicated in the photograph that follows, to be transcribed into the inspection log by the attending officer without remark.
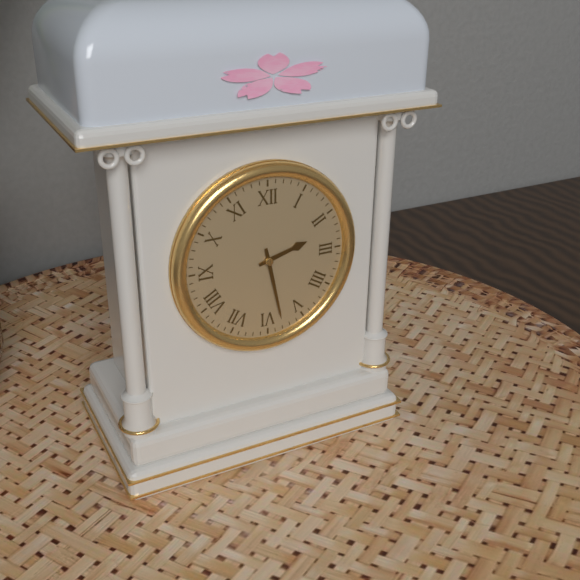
2:28
